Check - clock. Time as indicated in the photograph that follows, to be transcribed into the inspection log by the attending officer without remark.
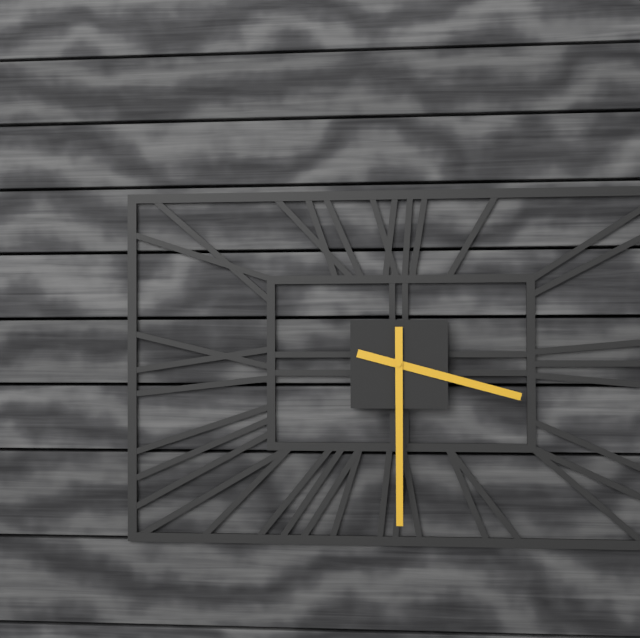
3:30
